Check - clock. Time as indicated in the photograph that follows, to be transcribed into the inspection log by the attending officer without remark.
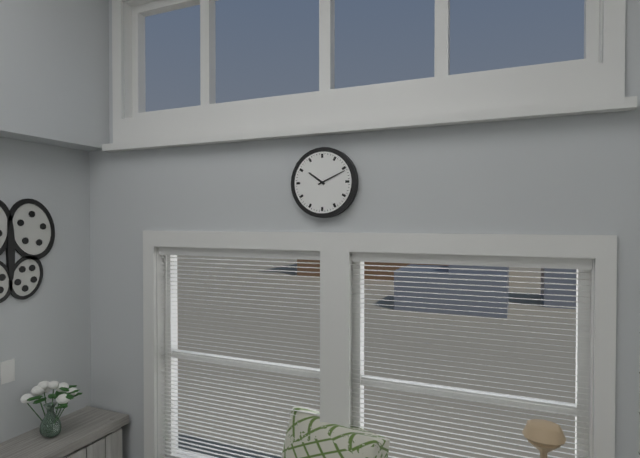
10:11
